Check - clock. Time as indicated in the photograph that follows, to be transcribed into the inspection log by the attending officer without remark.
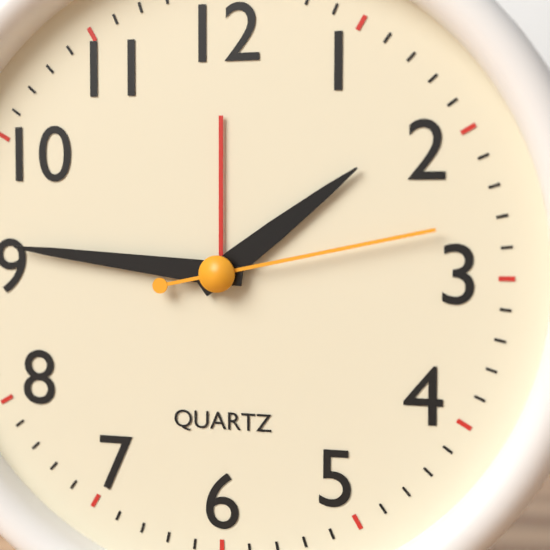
1:46:13
